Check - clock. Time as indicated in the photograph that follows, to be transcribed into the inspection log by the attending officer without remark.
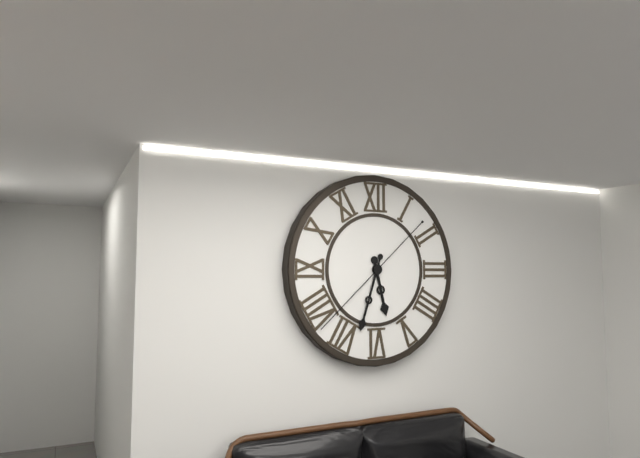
5:33:38
